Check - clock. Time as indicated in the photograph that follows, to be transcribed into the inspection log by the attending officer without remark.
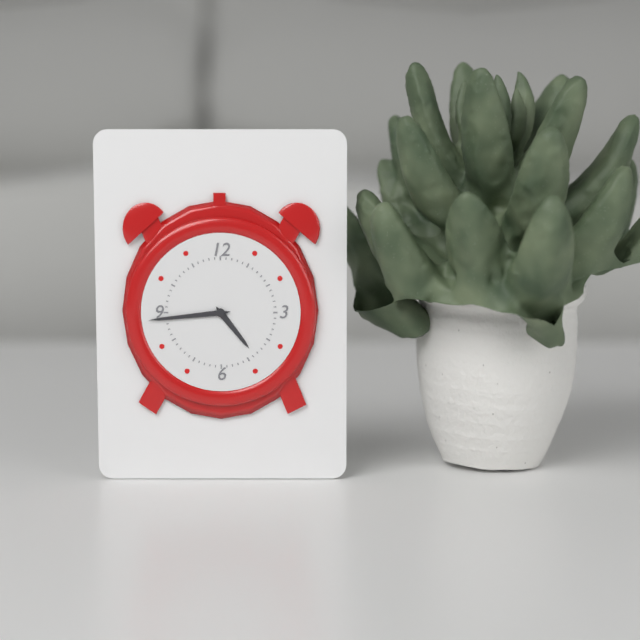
4:44
